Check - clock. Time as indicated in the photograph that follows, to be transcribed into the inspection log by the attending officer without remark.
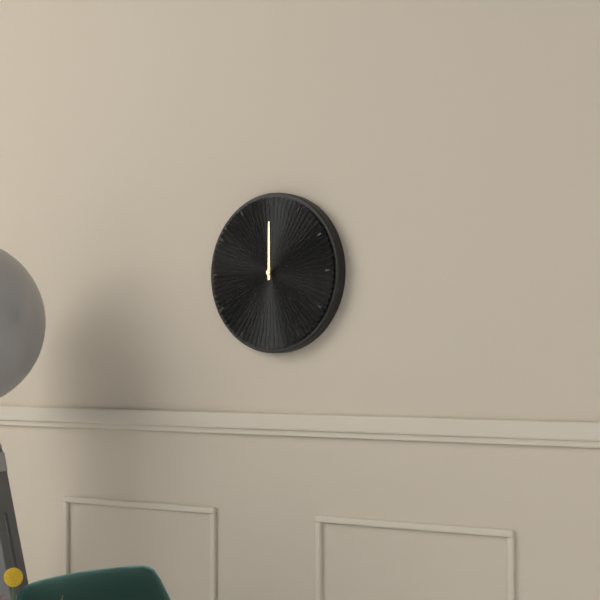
12:00
